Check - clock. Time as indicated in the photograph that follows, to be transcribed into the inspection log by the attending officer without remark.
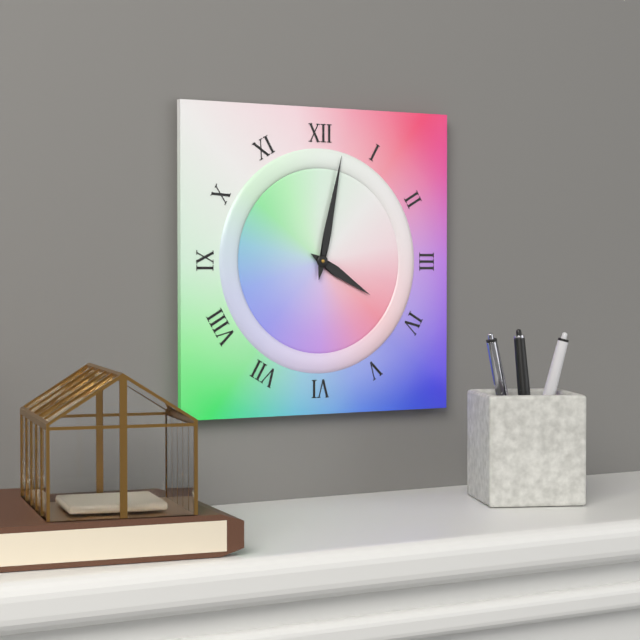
4:02
